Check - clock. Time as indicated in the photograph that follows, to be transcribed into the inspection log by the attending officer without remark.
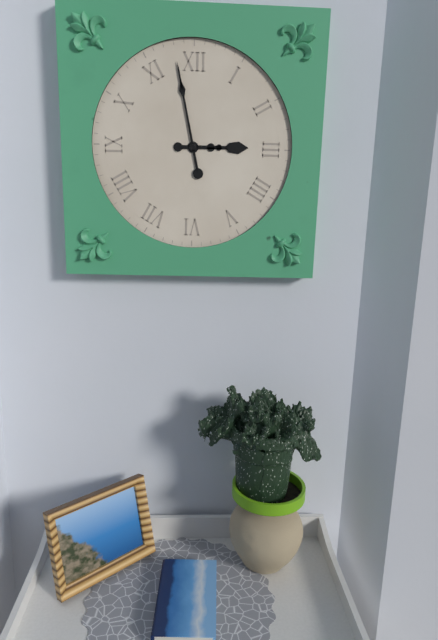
2:58
